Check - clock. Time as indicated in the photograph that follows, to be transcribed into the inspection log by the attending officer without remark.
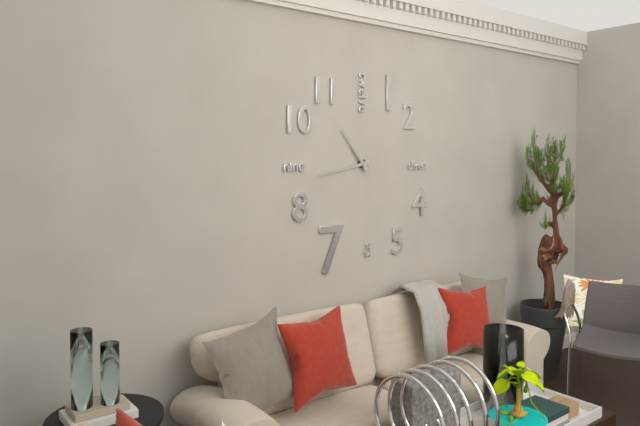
10:43
